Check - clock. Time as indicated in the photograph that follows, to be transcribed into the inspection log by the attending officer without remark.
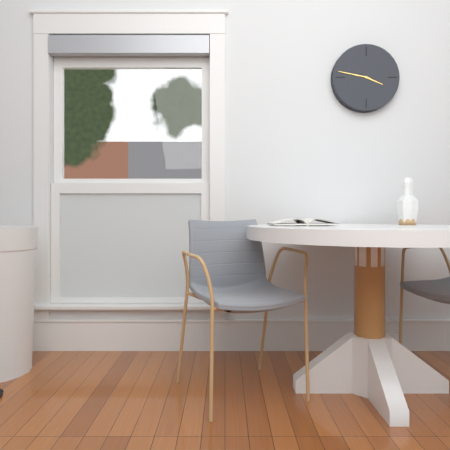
3:47
